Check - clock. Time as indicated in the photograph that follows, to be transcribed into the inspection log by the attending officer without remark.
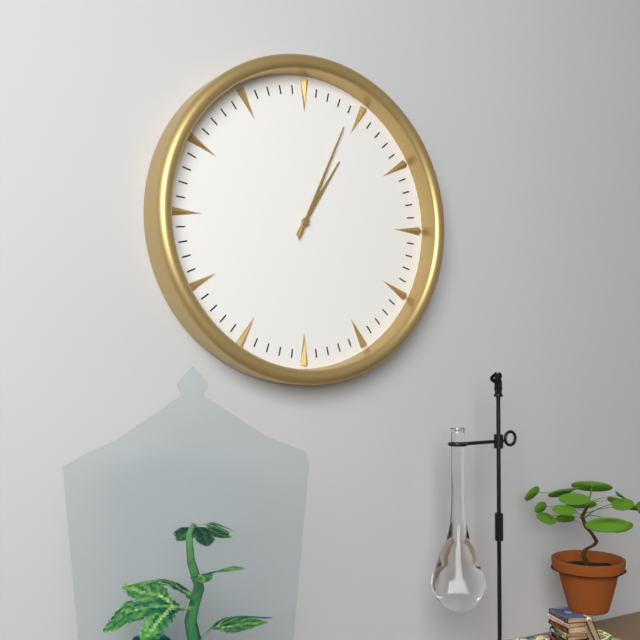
1:04
